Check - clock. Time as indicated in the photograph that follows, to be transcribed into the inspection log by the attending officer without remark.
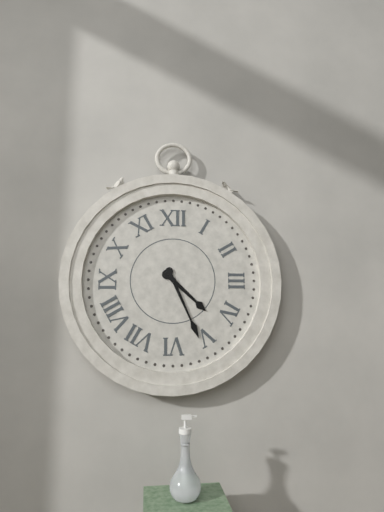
4:26
